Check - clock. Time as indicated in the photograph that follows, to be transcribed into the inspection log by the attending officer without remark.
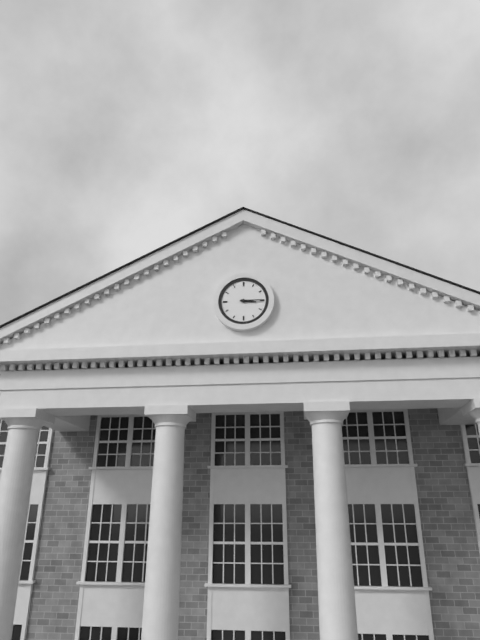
3:15
